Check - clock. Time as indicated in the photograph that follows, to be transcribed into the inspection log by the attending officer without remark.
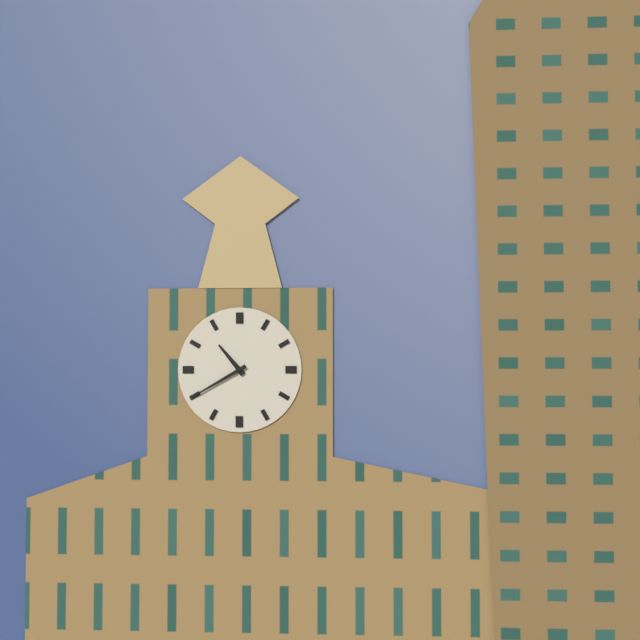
10:40
